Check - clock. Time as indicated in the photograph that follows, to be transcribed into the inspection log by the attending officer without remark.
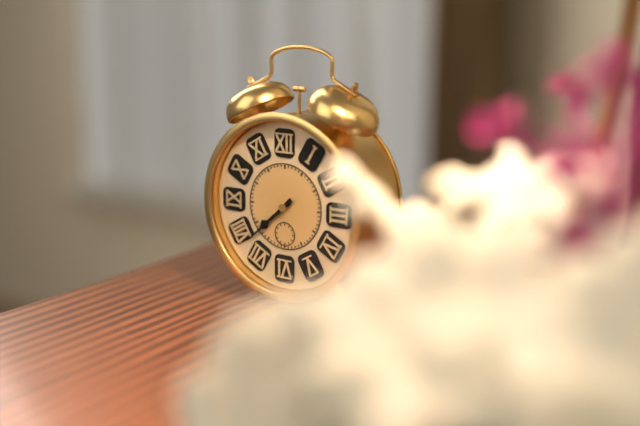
7:38
